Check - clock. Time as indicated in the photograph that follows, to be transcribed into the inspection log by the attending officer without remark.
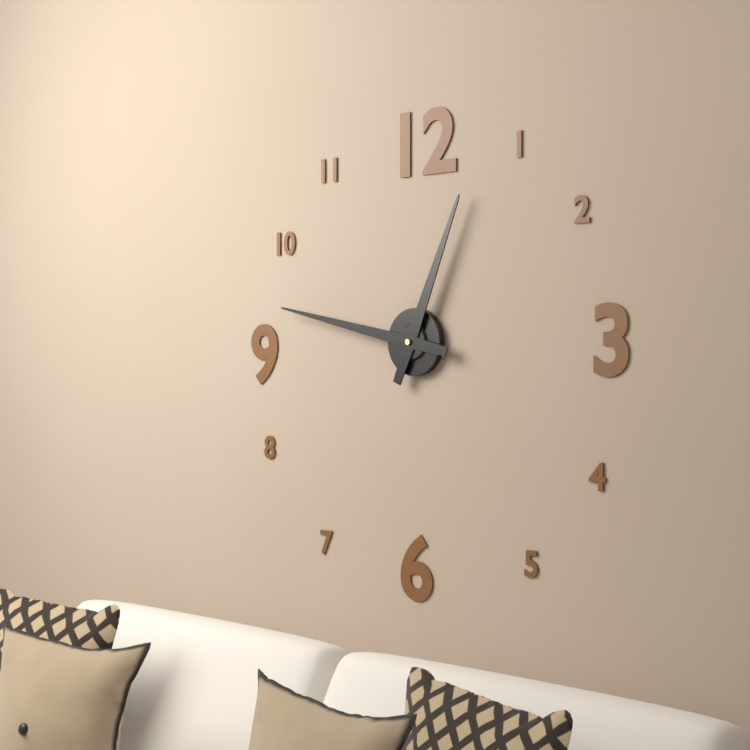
12:47
